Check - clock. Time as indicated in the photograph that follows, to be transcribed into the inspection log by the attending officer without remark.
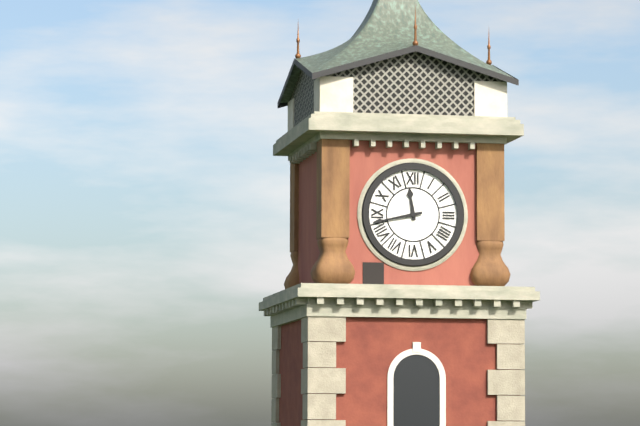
11:43
